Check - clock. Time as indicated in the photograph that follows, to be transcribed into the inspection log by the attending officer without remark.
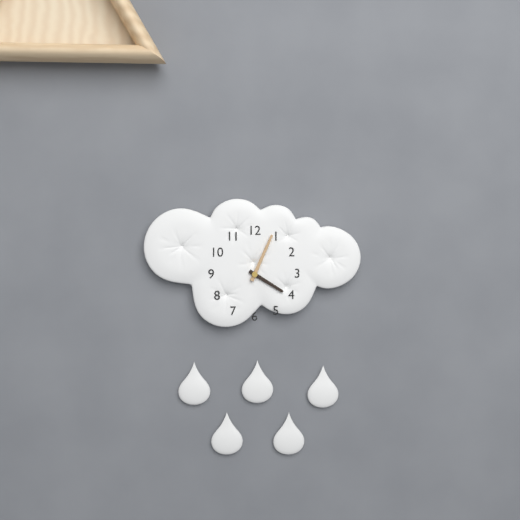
4:04
